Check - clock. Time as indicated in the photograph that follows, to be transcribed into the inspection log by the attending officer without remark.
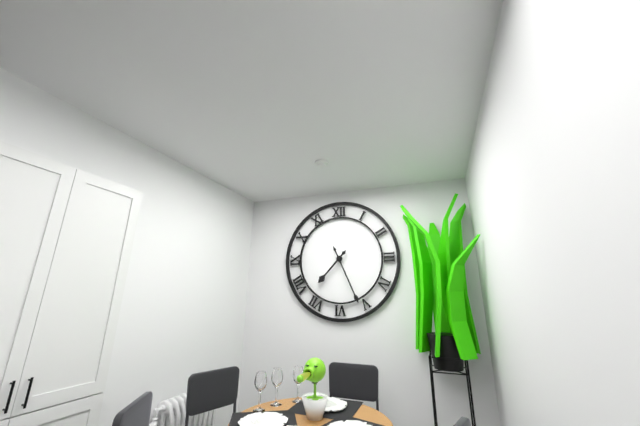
7:26
